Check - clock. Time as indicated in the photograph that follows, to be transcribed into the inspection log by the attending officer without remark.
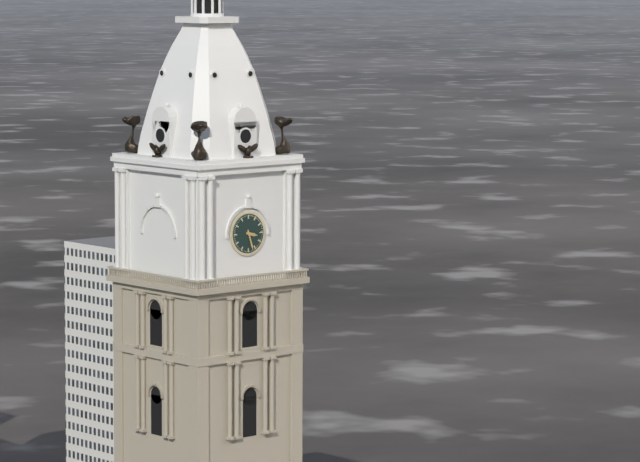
3:27
